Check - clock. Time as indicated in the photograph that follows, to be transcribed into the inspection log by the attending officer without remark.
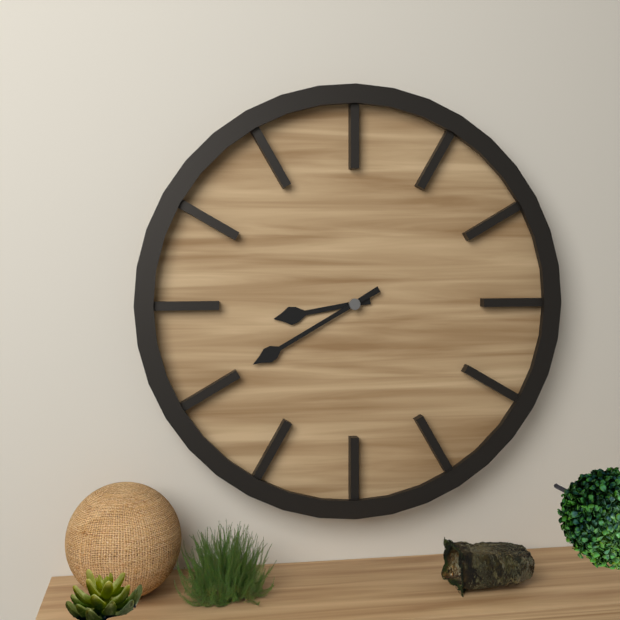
8:40
